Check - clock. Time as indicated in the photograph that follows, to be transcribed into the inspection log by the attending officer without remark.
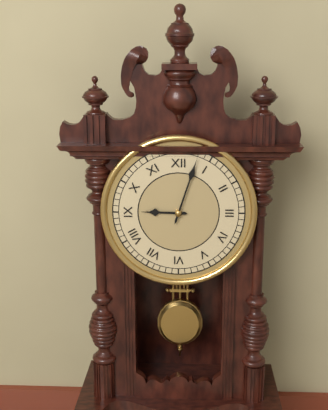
9:03
